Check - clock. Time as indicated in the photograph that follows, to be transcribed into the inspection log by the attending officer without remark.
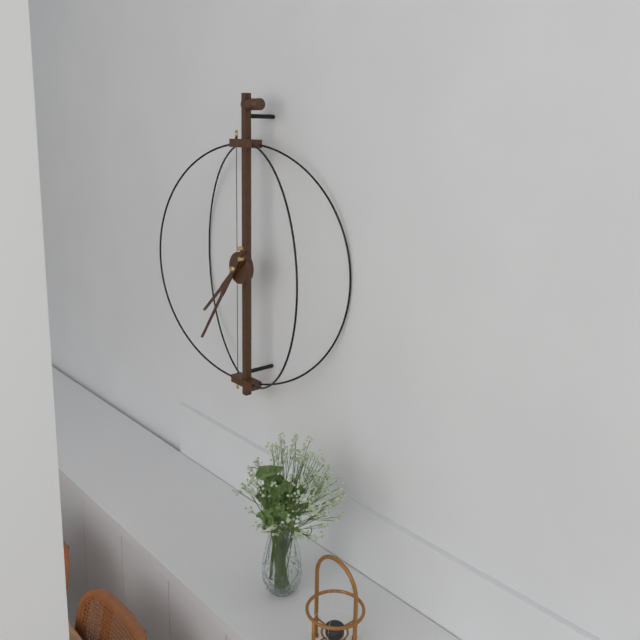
7:36
